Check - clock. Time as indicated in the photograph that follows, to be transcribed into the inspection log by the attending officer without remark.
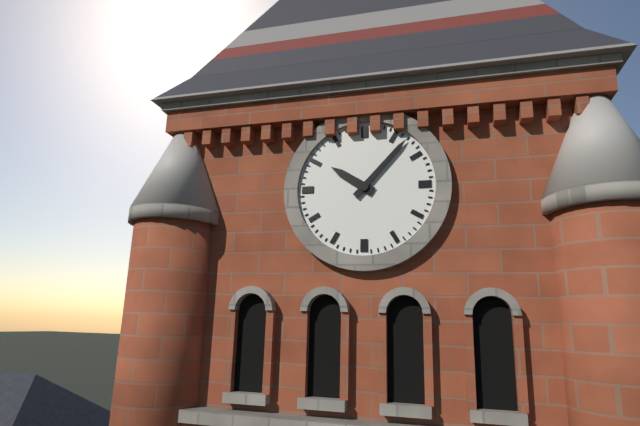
10:07
